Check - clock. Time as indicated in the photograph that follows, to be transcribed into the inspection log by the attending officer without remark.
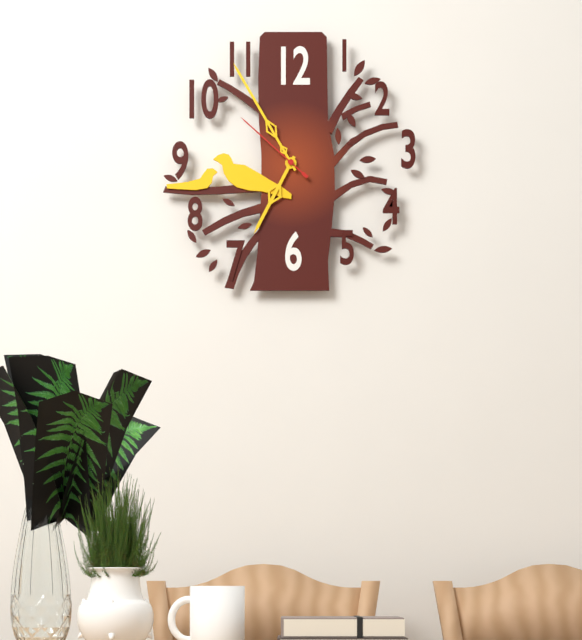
6:55:52
